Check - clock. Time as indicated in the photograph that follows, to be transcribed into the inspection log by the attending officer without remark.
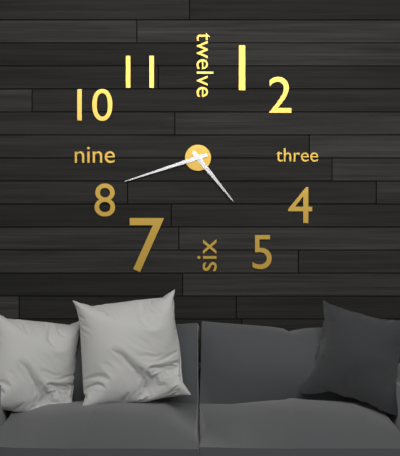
4:42
